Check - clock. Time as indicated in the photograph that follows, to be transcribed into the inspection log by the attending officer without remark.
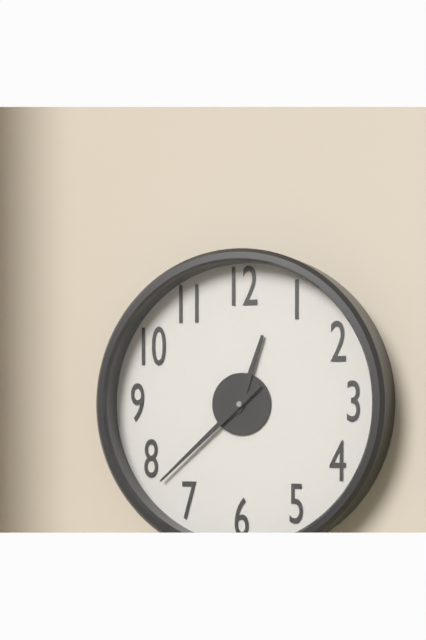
12:38
